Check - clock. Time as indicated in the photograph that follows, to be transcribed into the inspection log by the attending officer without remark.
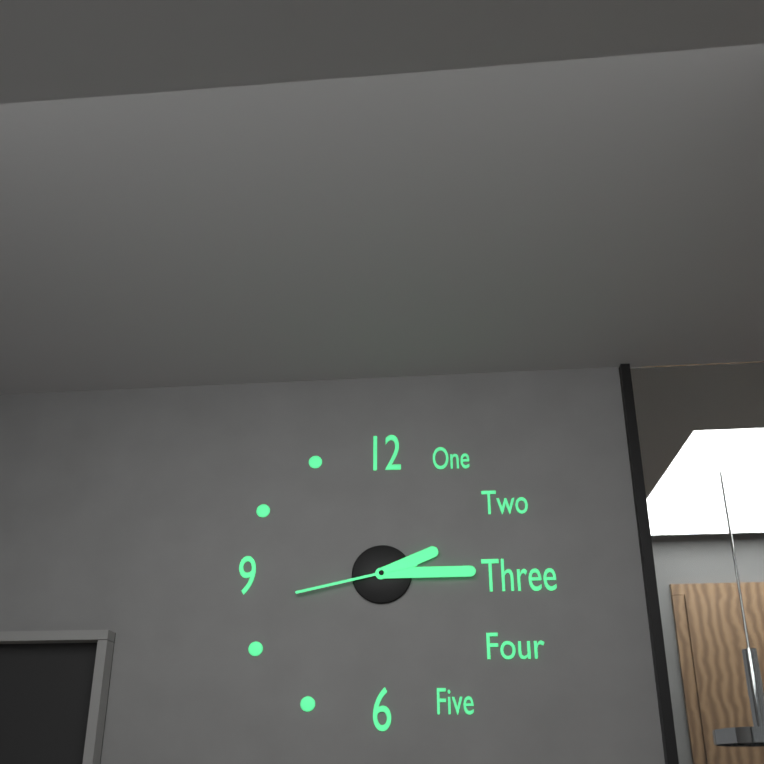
2:15:43
